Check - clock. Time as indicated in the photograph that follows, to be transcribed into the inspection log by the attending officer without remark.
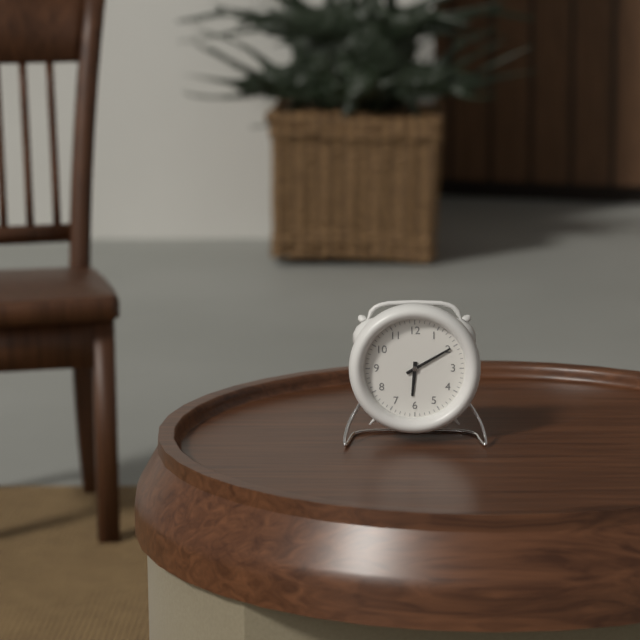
6:10
